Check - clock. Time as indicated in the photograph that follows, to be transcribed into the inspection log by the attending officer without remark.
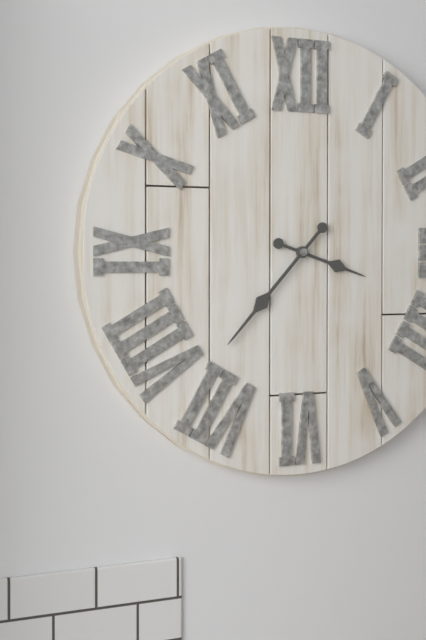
3:37
